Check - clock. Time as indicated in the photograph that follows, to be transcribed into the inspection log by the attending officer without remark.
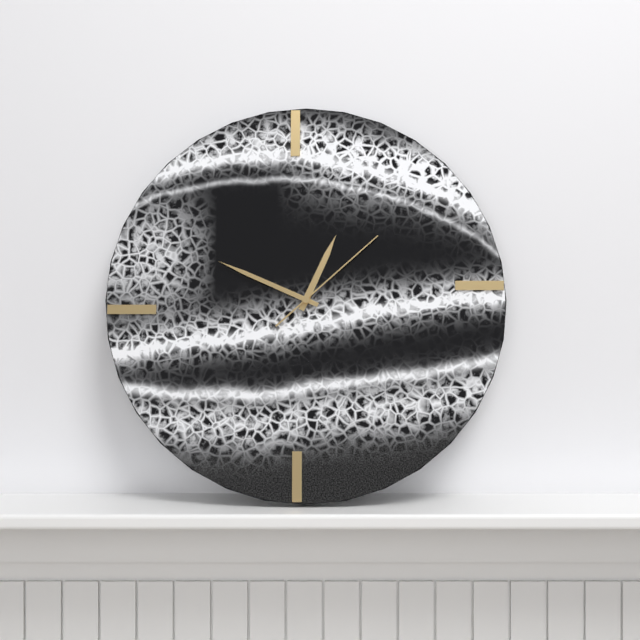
12:49:08
